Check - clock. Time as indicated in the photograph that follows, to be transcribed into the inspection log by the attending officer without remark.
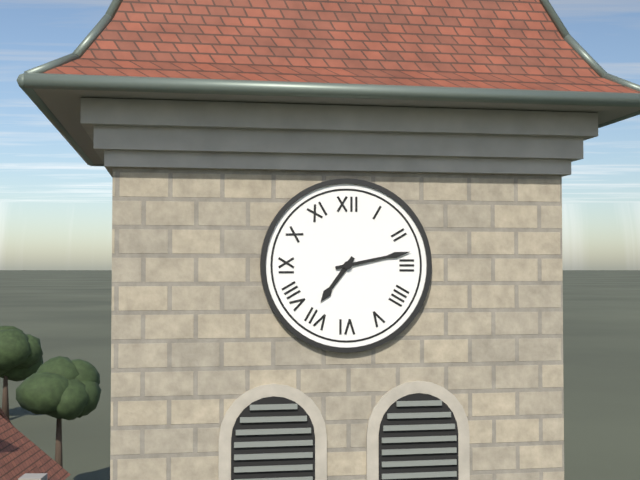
7:13
